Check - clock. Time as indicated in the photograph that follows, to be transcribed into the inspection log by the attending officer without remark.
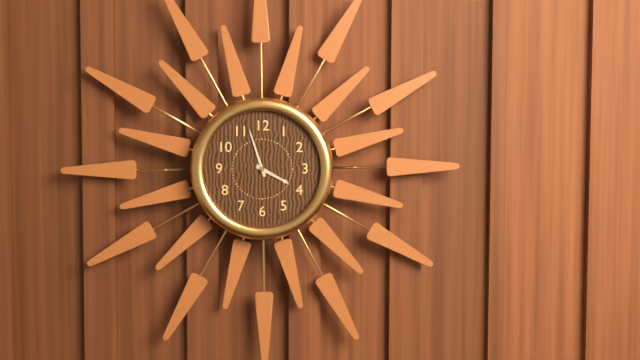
3:57
